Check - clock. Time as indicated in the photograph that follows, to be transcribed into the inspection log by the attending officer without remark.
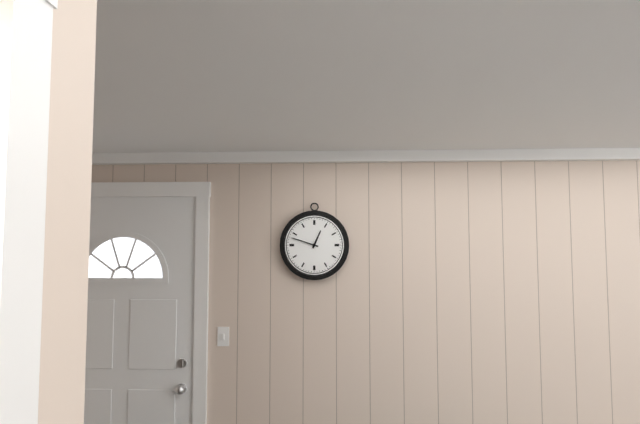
12:48
